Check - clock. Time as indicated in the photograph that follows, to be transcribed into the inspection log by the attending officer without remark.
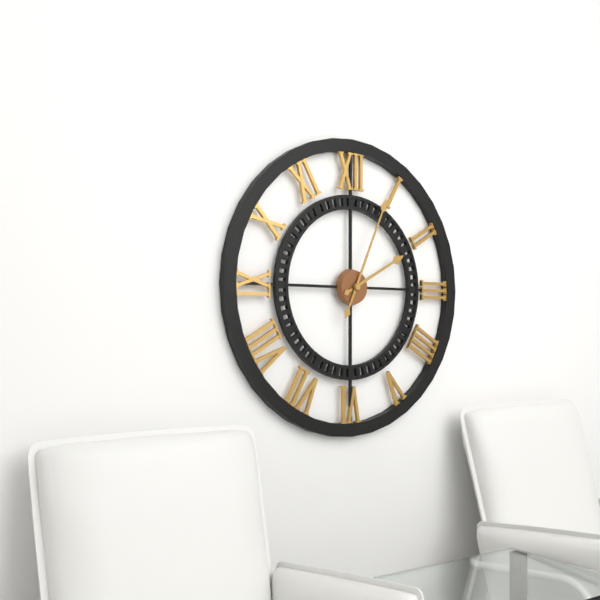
2:04
